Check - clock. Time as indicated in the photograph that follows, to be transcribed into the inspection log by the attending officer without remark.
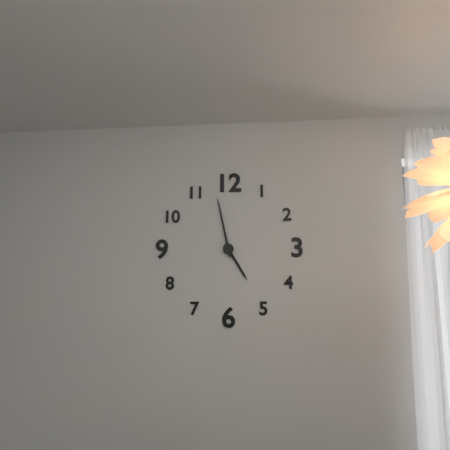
4:58
